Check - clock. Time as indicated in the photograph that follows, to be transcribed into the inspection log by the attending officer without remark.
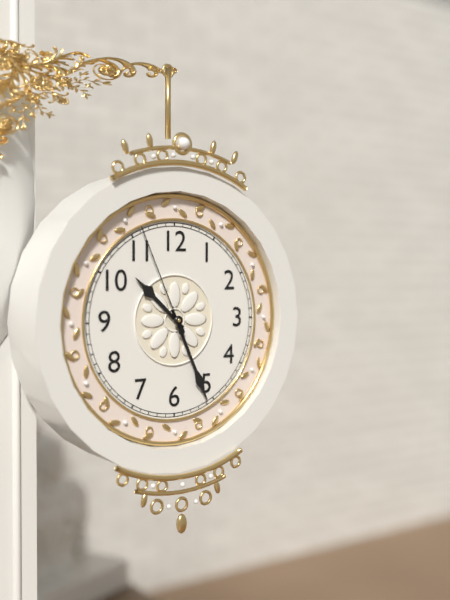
10:26:56
